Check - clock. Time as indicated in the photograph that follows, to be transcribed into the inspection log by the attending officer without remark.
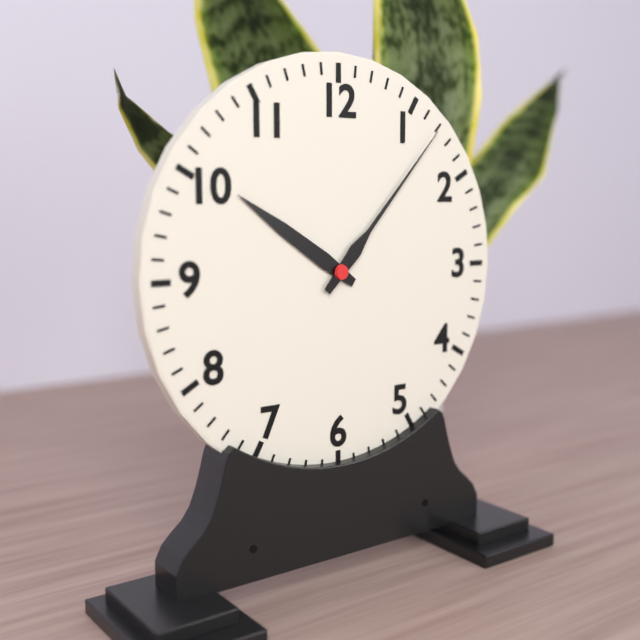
10:07
